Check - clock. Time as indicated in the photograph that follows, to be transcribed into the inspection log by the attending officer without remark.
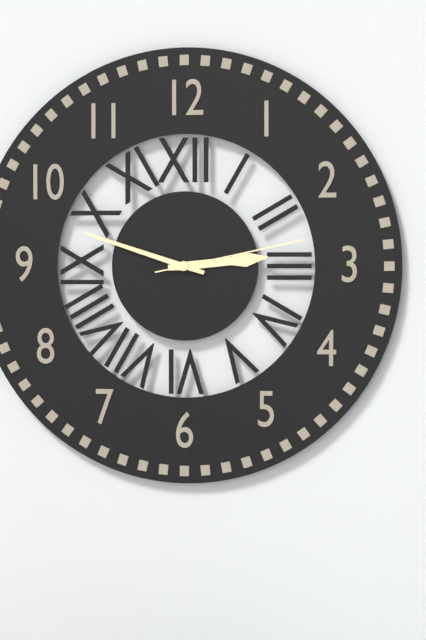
2:48:13
